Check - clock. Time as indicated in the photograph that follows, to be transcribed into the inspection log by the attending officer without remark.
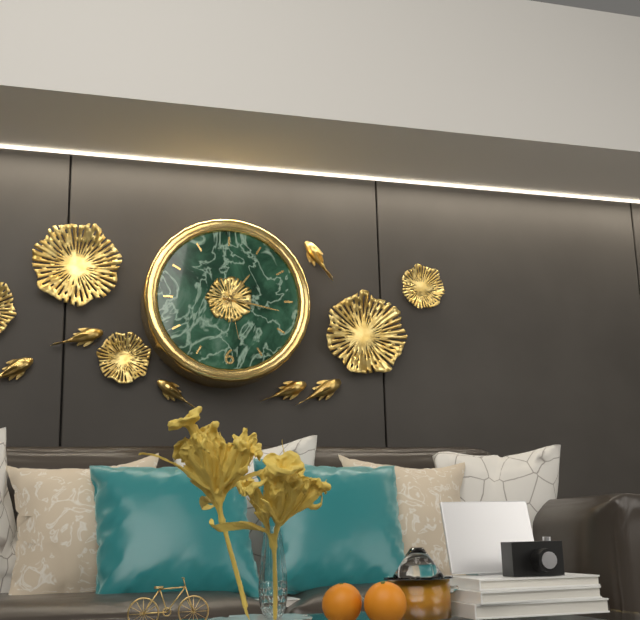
1:17:28
